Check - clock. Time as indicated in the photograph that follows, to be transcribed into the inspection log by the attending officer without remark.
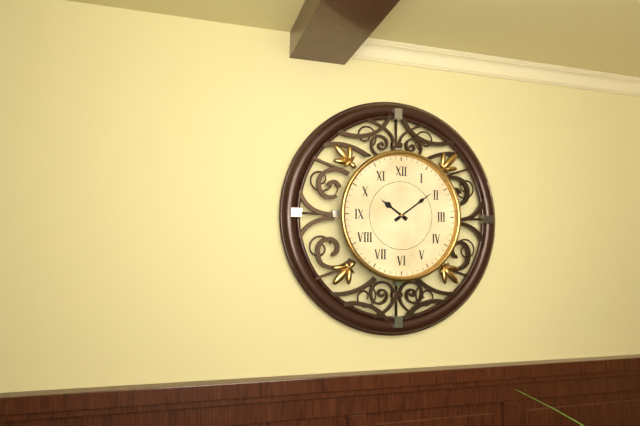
10:09
